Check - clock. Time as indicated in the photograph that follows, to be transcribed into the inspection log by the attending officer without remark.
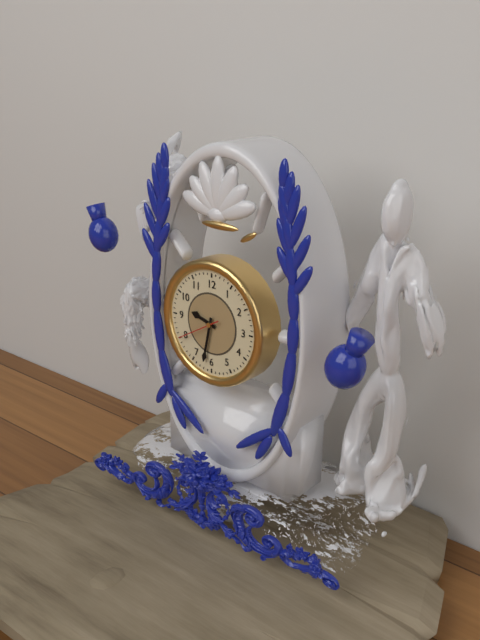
9:32
